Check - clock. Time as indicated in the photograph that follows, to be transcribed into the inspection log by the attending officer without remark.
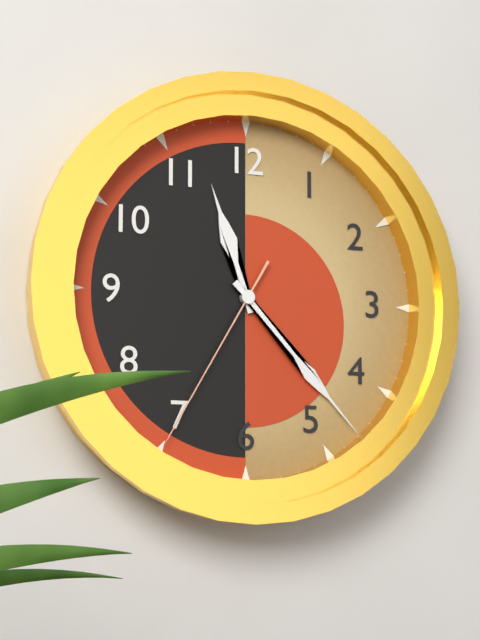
11:23:35
